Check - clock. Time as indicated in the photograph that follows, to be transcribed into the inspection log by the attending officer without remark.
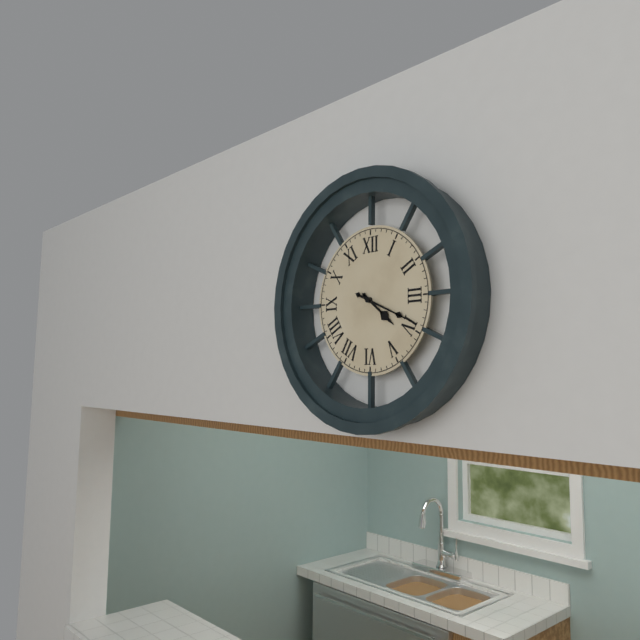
4:19
